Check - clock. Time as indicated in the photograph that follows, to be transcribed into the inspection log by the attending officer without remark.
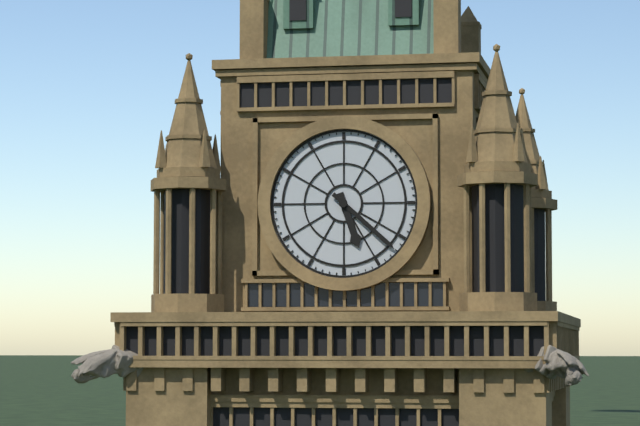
5:22
